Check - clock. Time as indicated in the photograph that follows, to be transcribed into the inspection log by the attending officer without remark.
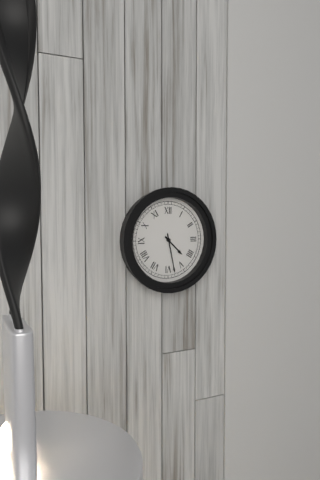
4:28
